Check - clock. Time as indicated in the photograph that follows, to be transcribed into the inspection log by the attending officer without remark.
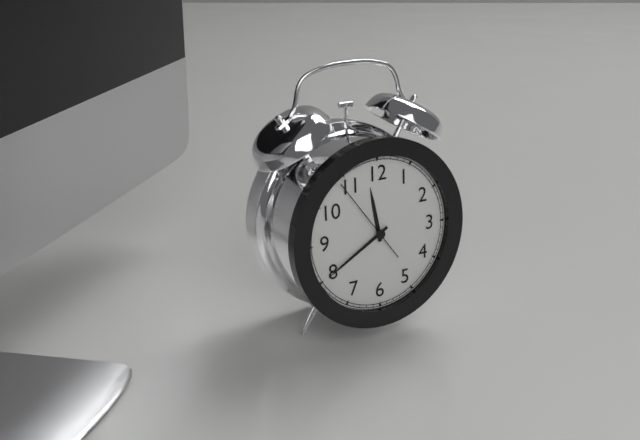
11:40:54
